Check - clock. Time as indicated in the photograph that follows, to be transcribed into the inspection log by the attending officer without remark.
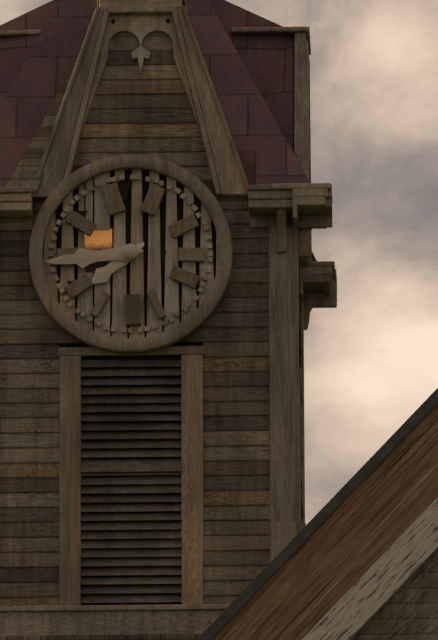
7:44
